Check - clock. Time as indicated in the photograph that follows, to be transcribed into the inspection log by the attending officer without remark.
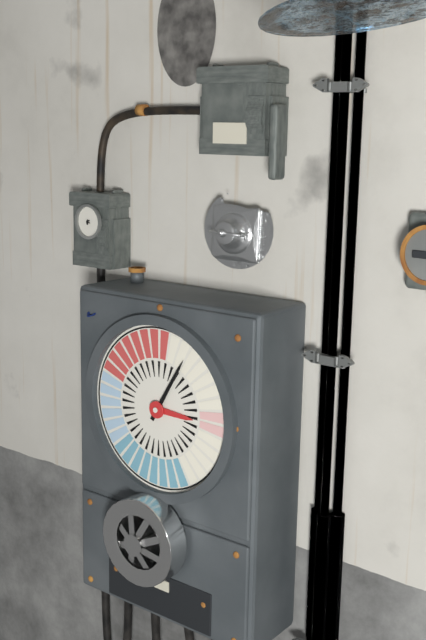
3:05
